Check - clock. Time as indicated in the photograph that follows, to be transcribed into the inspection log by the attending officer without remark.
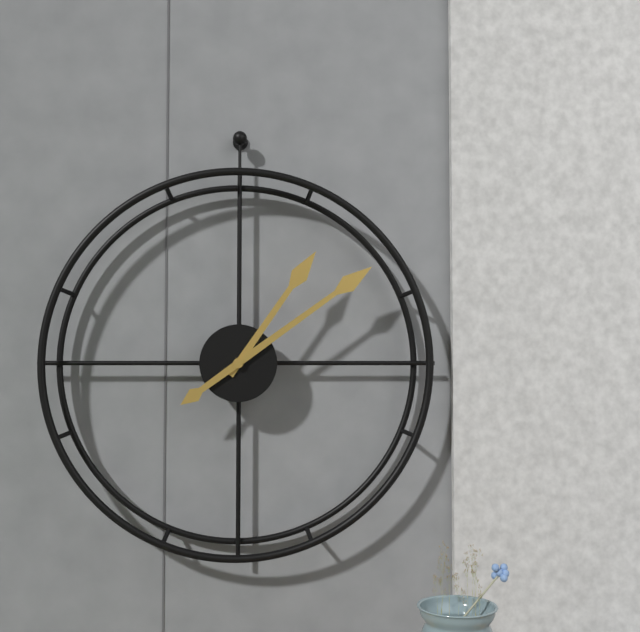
1:09
